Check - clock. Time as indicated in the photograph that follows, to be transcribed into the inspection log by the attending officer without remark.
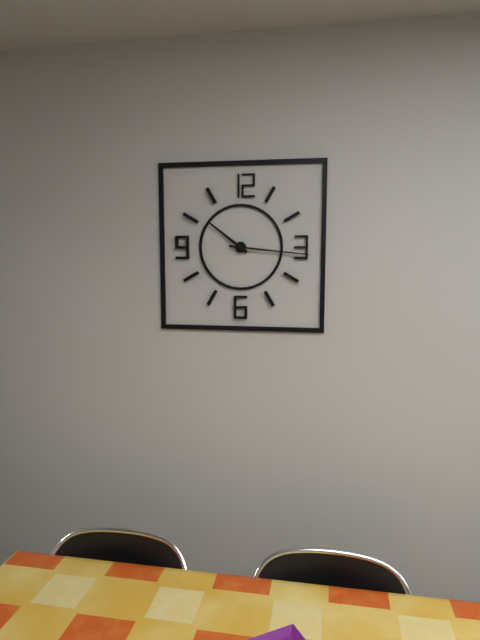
10:16
